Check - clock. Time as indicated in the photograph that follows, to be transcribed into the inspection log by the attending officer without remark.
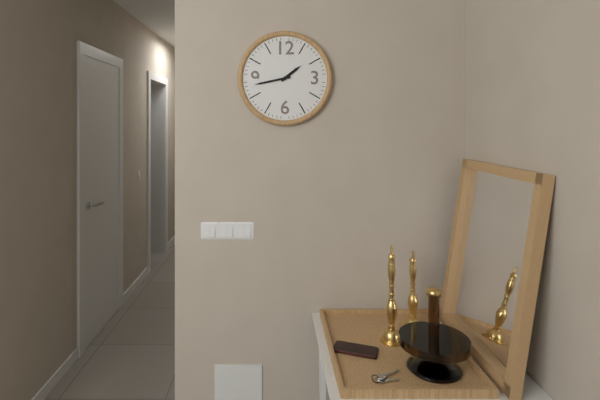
1:43
